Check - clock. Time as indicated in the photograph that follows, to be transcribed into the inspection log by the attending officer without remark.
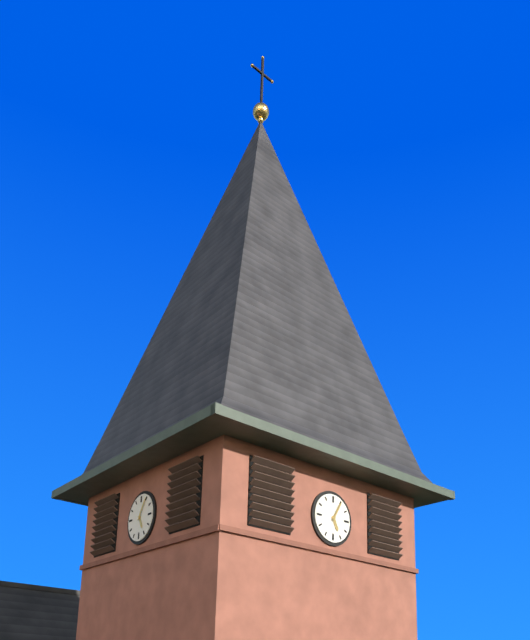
5:05
